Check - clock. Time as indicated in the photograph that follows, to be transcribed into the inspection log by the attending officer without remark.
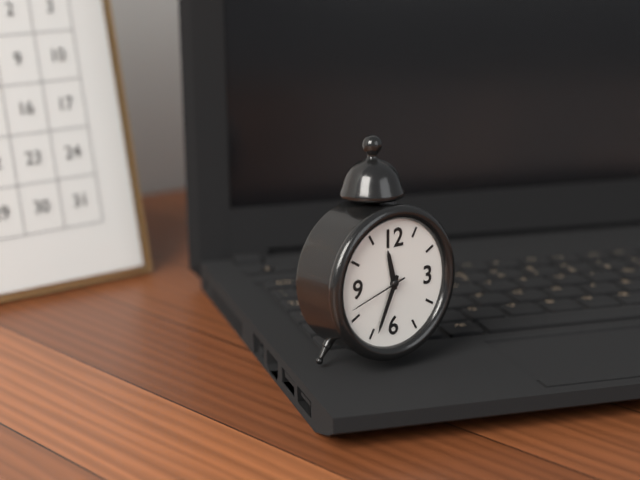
11:34:42
